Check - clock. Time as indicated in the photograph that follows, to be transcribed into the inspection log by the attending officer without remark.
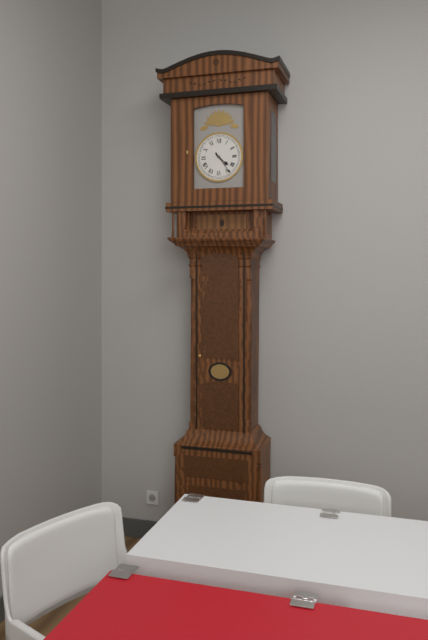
4:24
